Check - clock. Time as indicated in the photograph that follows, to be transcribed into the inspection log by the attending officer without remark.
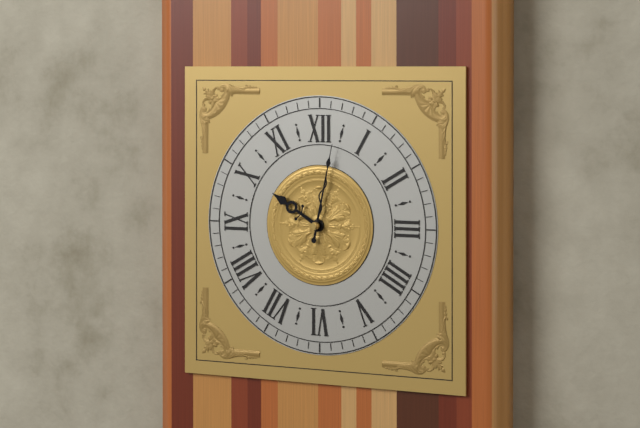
10:02
